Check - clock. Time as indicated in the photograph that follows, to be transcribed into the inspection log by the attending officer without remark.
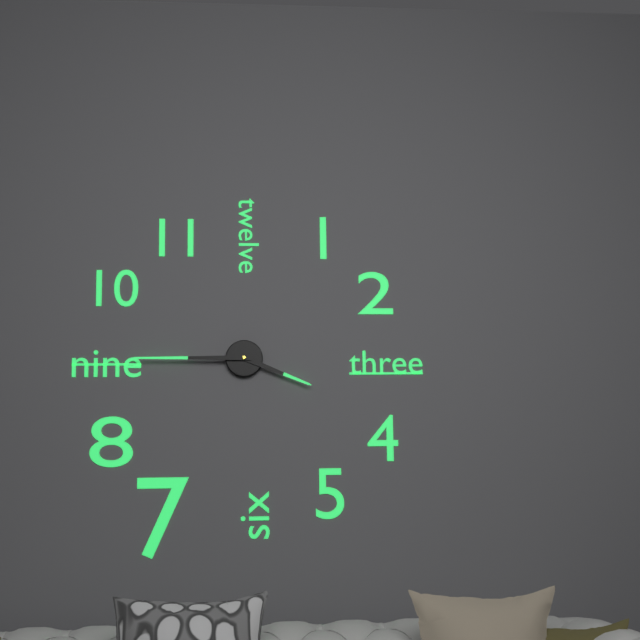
3:45
